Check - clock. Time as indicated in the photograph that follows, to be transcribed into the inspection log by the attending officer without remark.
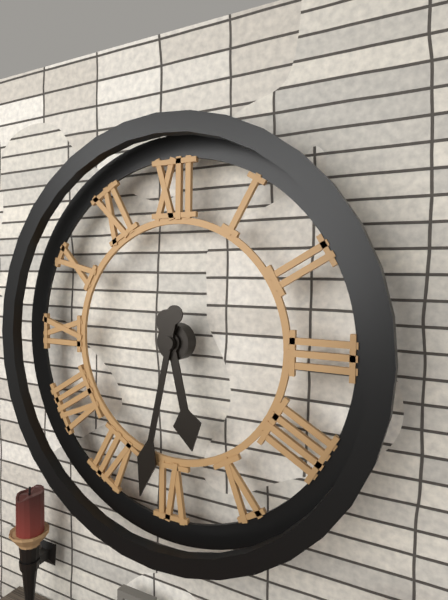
5:32
